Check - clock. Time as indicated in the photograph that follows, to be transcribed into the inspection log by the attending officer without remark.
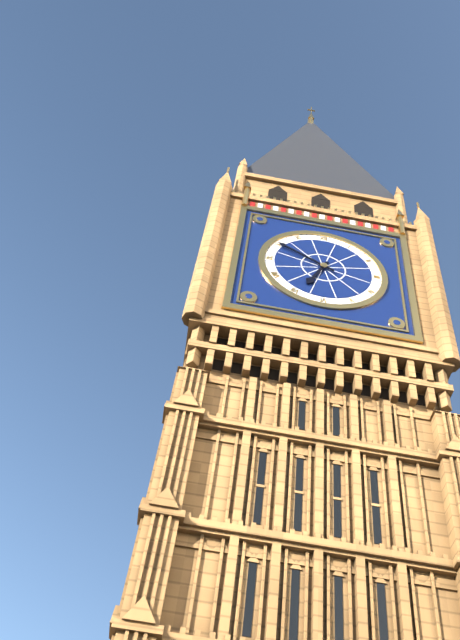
6:50
